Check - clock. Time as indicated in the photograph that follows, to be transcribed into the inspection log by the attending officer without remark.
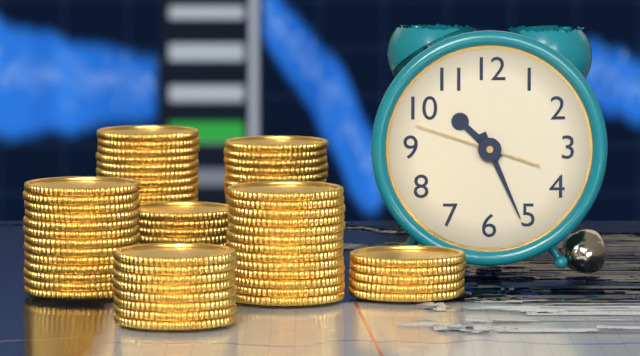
10:26:48
